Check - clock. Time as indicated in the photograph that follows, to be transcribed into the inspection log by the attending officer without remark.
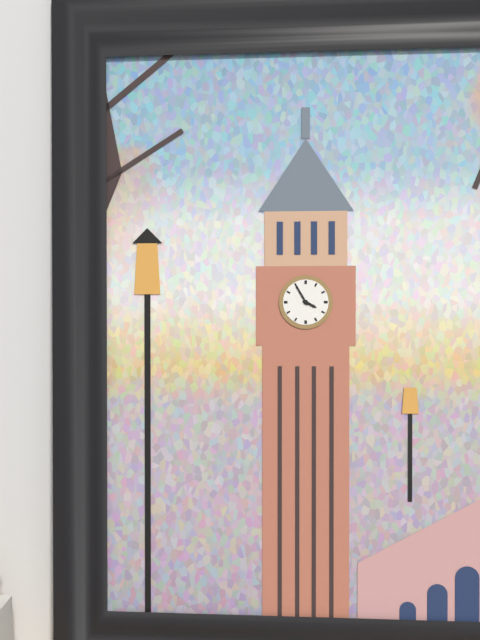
3:55
